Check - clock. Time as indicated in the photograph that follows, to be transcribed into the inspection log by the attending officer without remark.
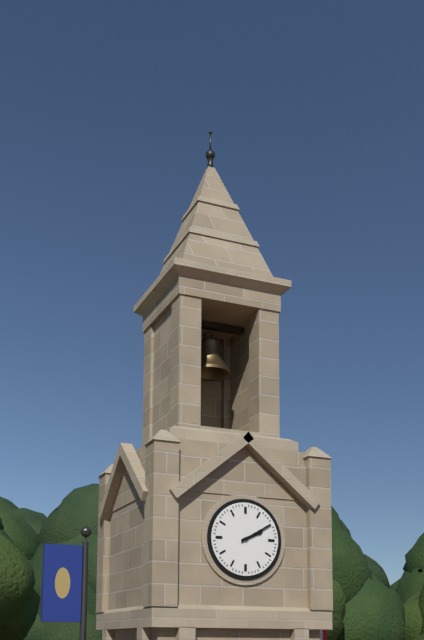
2:10
